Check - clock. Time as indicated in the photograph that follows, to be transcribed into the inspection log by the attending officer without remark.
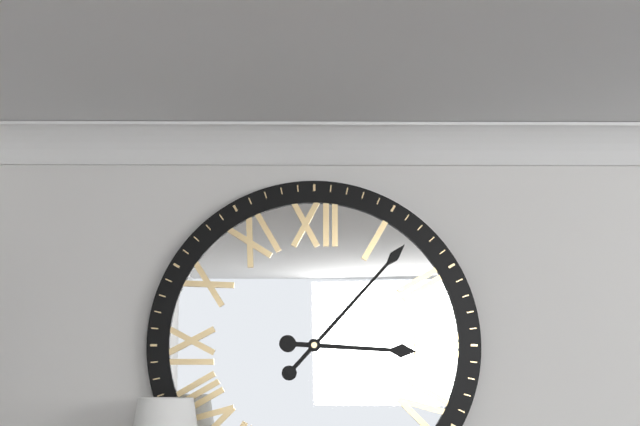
3:07
